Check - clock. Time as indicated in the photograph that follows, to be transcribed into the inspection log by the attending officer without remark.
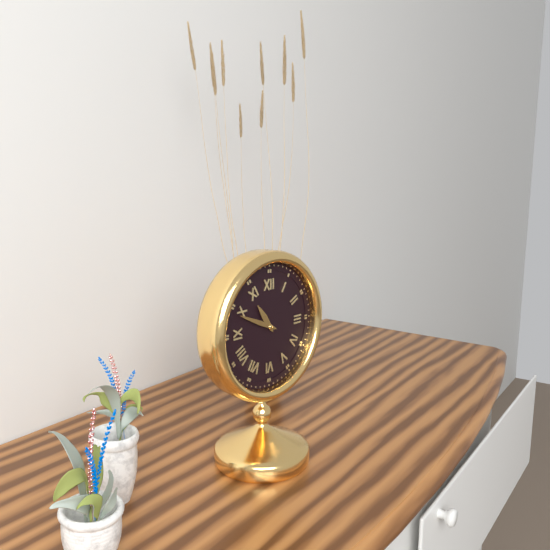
10:49
